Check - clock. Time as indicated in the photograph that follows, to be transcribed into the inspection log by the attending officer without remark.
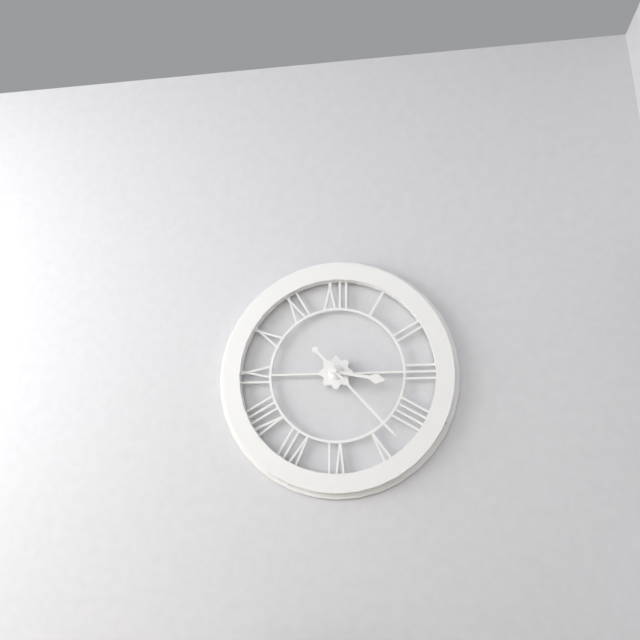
3:23
